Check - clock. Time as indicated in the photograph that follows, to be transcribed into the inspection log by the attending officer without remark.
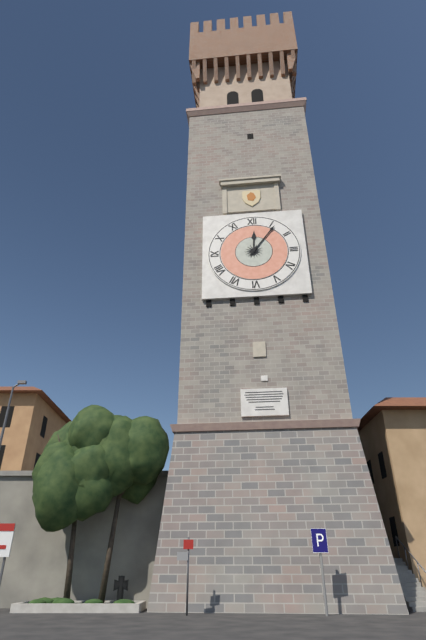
12:06
